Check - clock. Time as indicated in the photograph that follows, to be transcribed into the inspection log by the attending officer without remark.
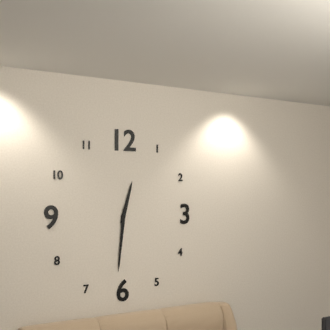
12:31
